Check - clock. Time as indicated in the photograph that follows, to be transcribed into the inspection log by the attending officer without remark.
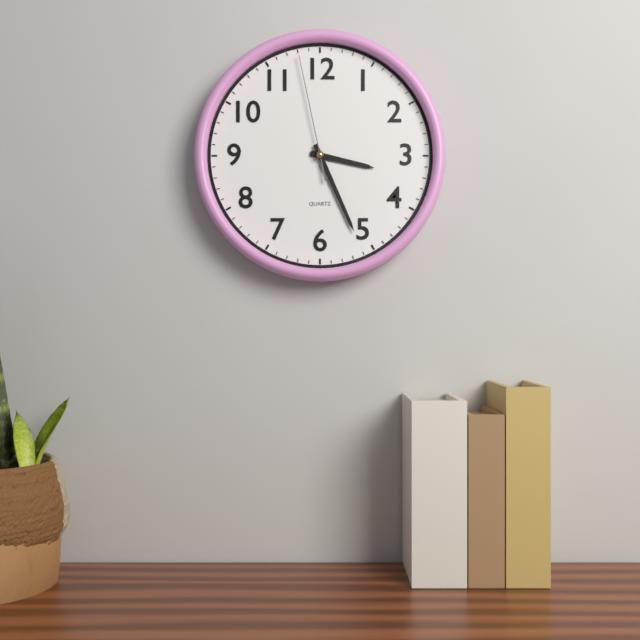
3:26:58
